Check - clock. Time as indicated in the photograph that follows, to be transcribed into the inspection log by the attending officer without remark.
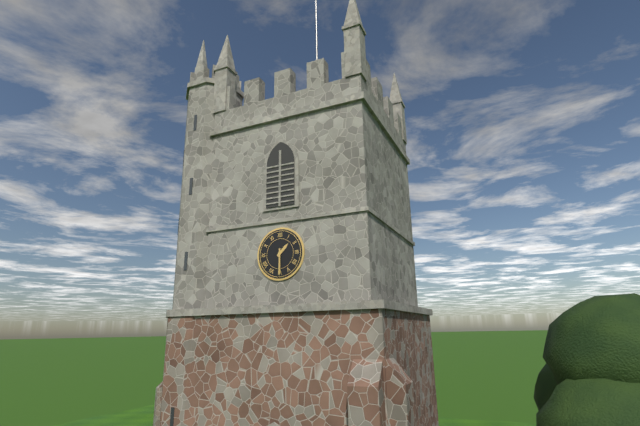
1:30
